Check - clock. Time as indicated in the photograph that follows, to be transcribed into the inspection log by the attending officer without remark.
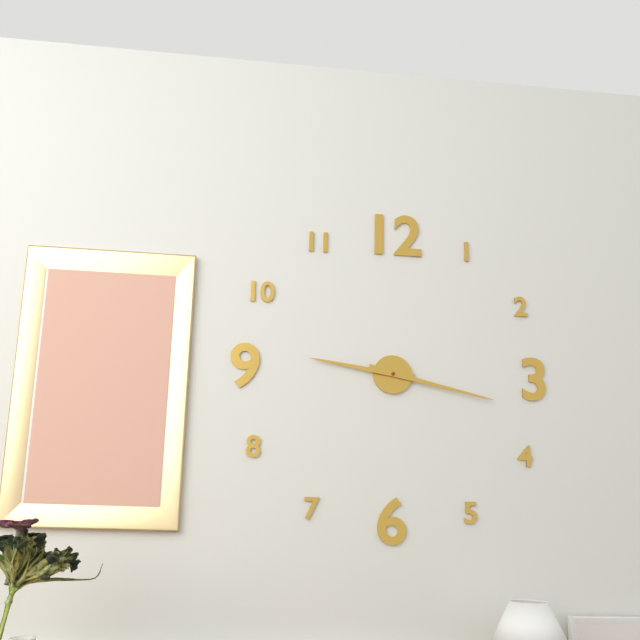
9:17
